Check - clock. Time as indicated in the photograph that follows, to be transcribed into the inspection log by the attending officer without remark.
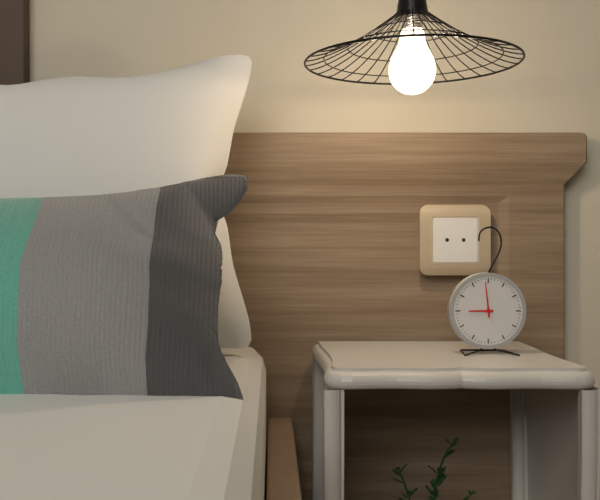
8:59
